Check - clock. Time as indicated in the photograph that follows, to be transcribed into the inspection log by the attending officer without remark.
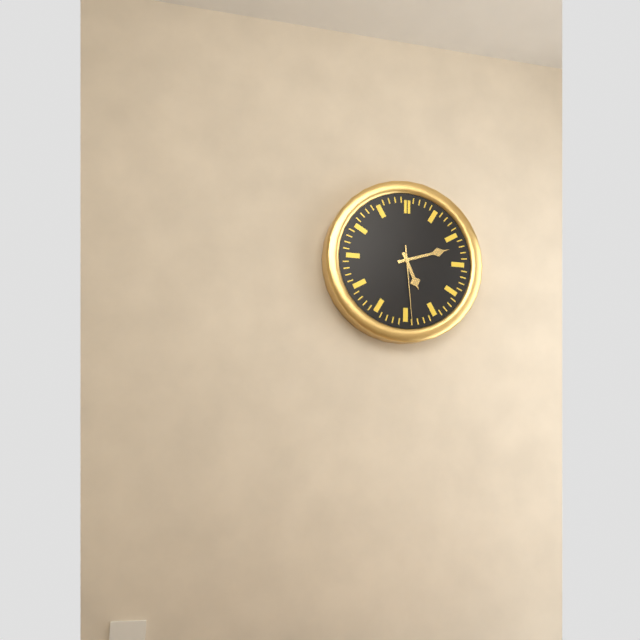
5:12:29
